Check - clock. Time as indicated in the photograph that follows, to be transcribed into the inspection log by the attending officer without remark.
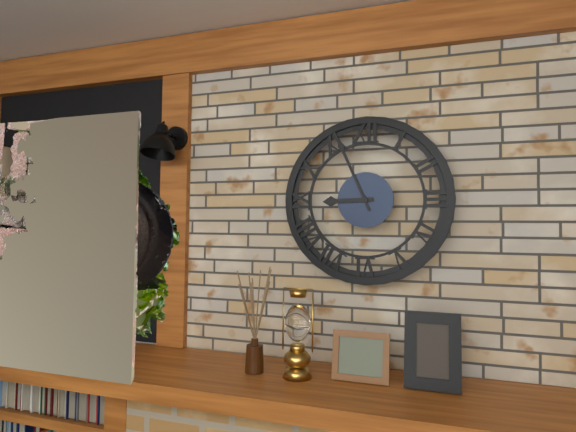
8:56
